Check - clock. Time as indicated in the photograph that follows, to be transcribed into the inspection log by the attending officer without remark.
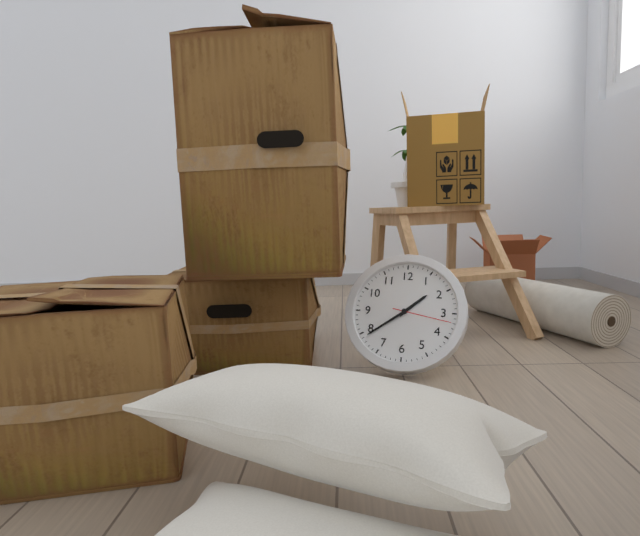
1:39:17
